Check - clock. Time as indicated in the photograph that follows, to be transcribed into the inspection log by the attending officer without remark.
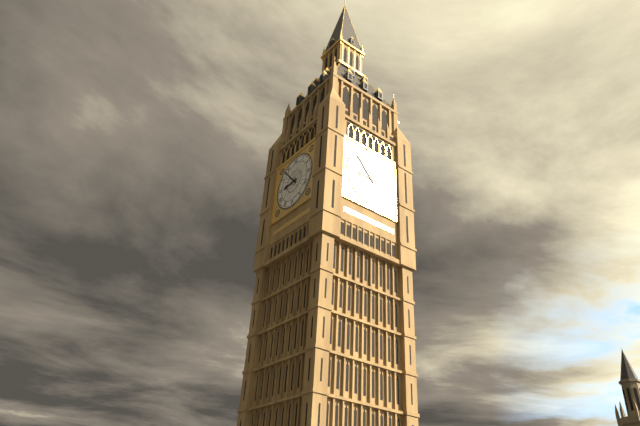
8:53
